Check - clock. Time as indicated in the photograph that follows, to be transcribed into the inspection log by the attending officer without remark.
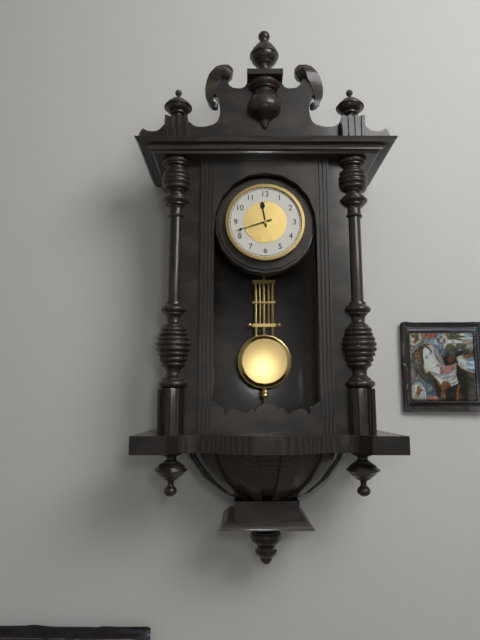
11:42
